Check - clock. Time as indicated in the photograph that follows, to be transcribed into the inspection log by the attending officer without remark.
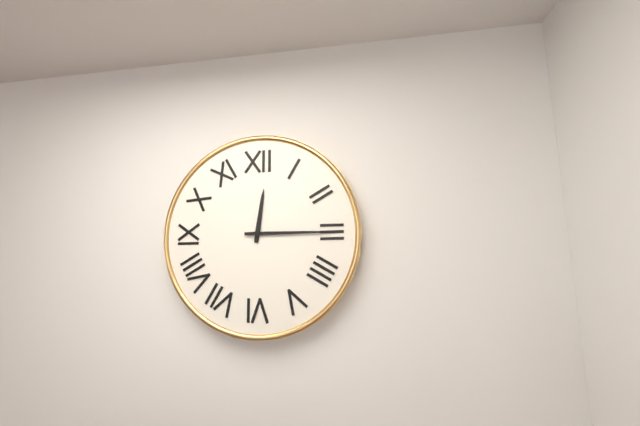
12:15
